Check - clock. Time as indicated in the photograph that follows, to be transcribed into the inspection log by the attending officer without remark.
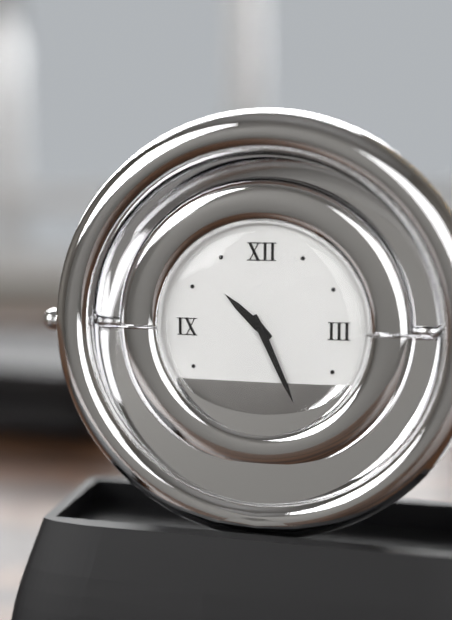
10:26
